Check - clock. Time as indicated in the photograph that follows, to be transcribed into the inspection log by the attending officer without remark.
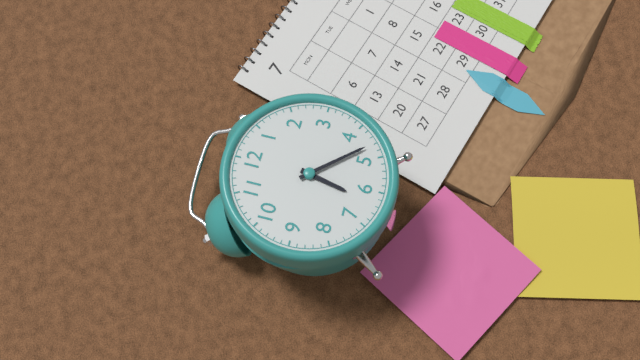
6:23
